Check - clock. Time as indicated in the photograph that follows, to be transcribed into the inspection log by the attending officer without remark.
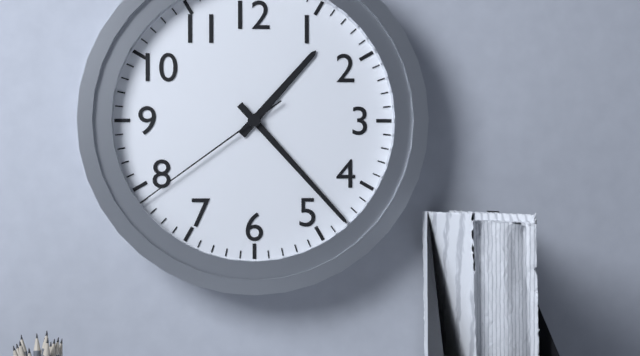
1:23:39
